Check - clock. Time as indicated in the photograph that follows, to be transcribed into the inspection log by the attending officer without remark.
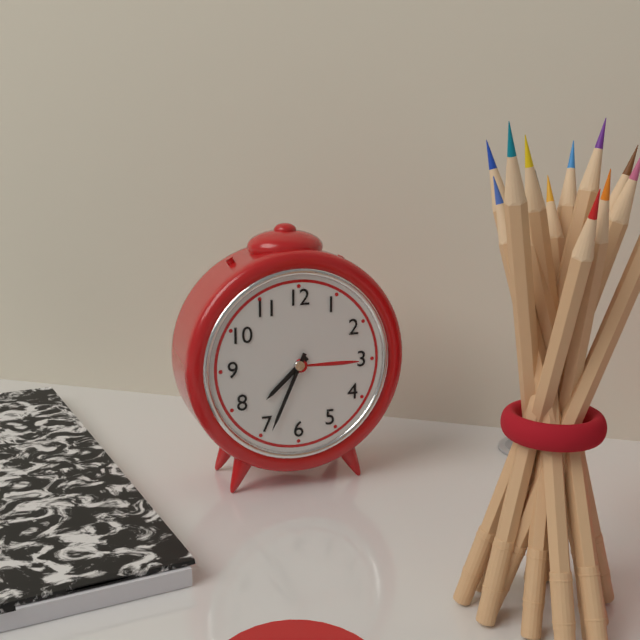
7:34
